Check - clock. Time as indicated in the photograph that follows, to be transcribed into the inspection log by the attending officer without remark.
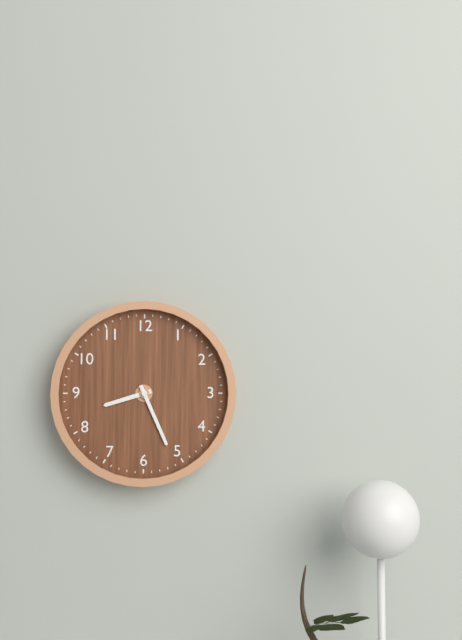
8:26
